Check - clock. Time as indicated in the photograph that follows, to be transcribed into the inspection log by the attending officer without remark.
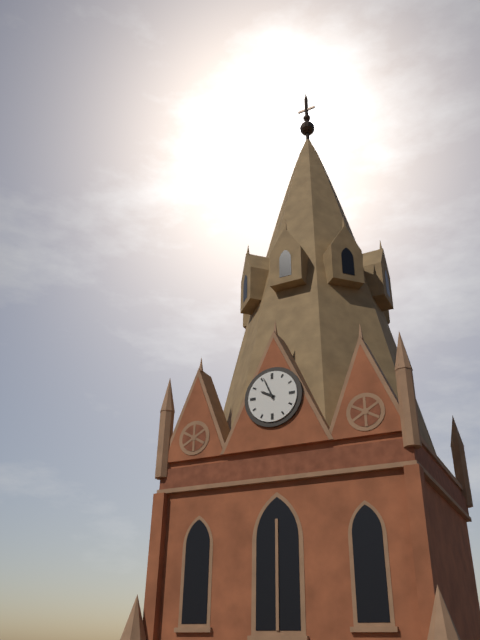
9:56
